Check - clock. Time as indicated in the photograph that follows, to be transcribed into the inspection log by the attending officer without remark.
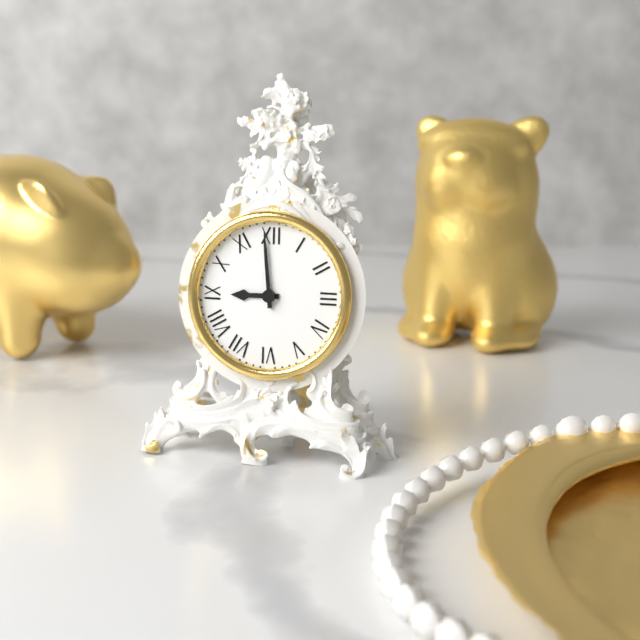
8:59
